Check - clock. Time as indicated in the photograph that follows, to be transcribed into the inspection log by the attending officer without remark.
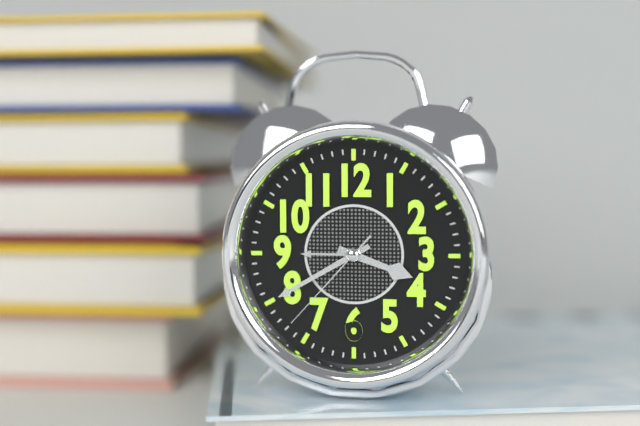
3:40:37
